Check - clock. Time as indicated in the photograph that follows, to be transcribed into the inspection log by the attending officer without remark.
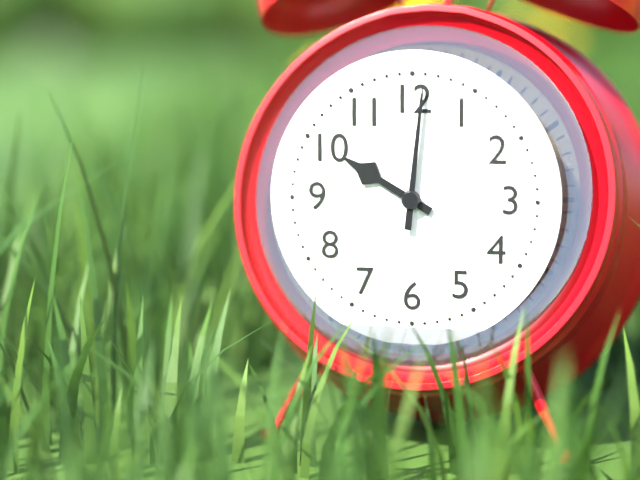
10:01
